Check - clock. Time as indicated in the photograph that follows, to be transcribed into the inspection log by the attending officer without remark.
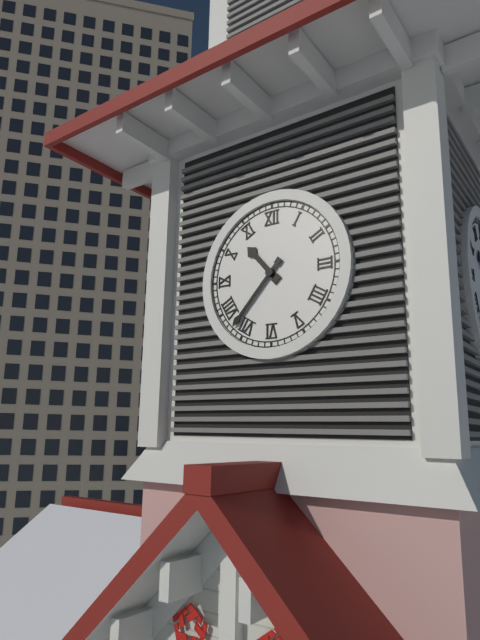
10:37
